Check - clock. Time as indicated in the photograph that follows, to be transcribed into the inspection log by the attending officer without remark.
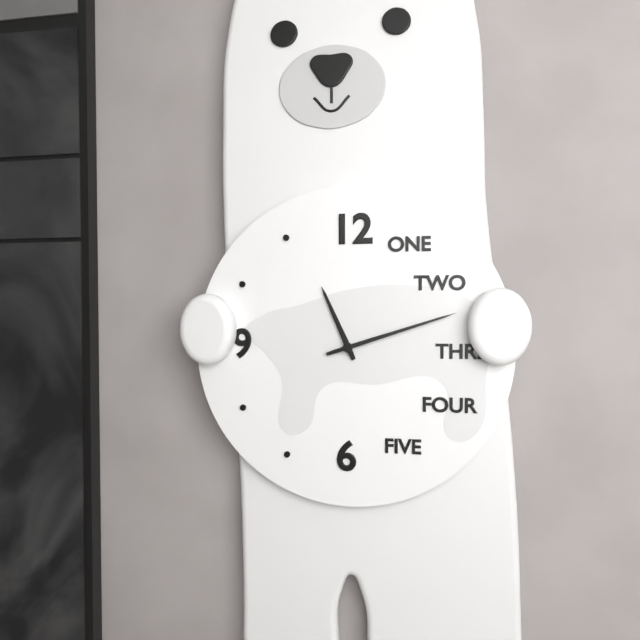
11:12
